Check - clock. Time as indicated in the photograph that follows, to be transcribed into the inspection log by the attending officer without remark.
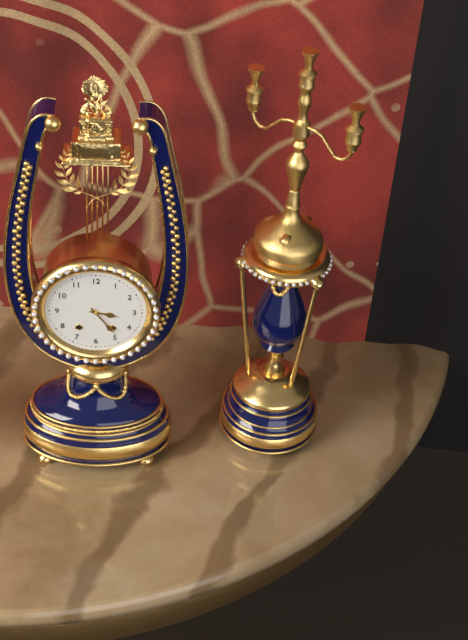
3:24
